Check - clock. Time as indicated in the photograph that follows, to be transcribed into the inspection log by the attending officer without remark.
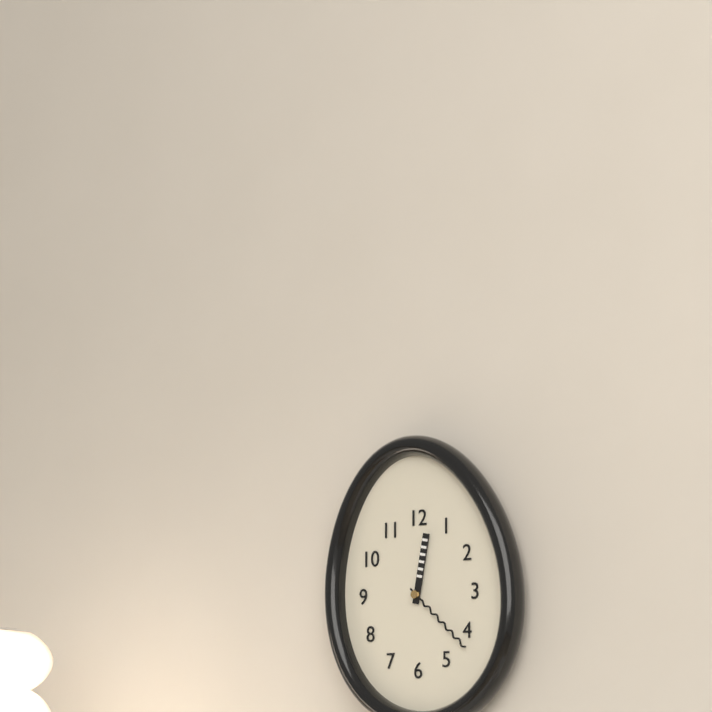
12:22
